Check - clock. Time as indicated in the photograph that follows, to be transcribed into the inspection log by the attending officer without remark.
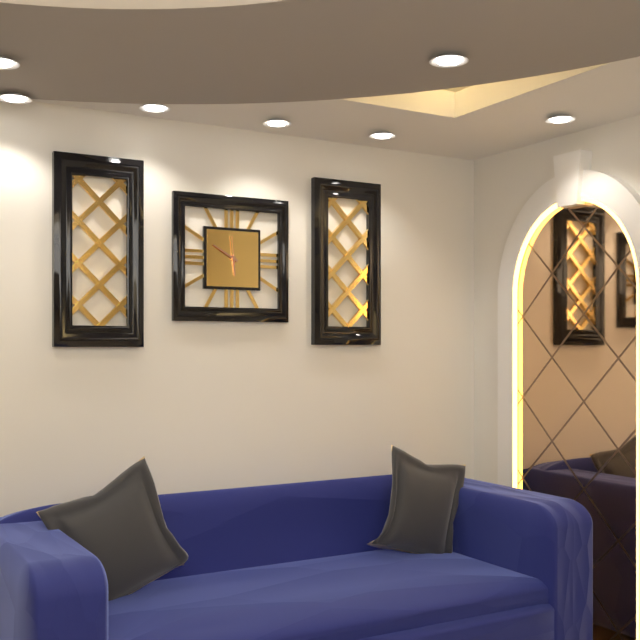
5:50
